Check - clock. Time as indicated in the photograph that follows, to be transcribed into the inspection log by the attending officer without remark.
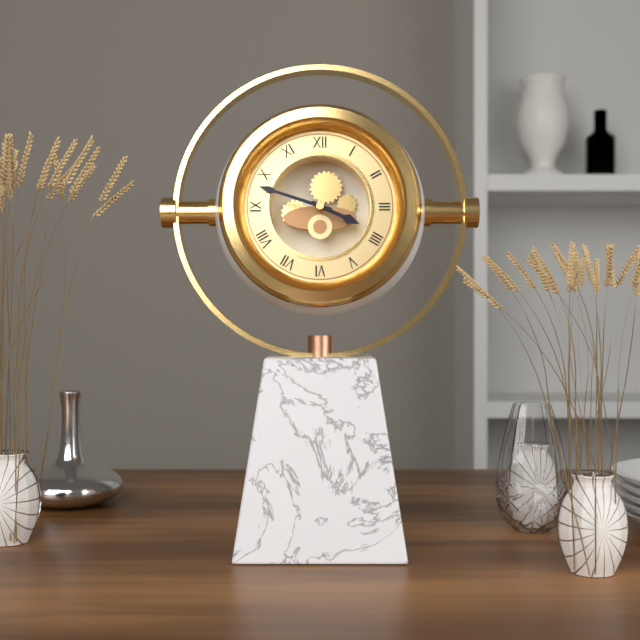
3:48
